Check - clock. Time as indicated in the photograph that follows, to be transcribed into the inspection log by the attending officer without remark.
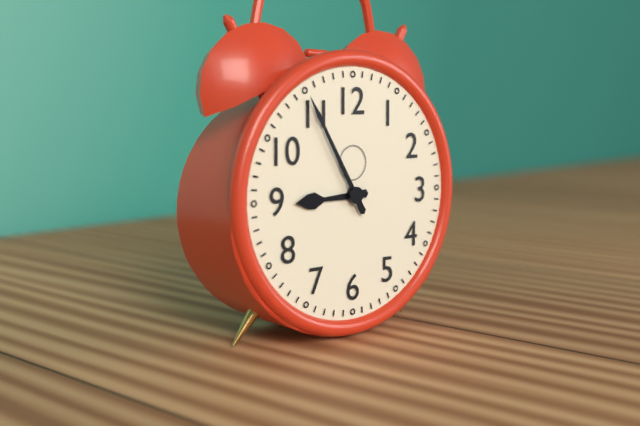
8:55
